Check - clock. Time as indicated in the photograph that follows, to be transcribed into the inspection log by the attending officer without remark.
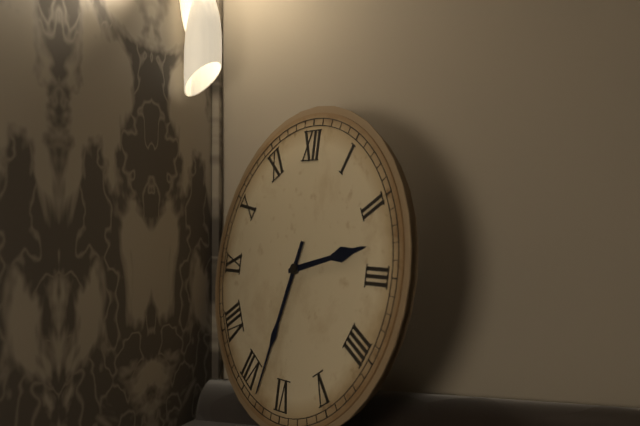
2:33
